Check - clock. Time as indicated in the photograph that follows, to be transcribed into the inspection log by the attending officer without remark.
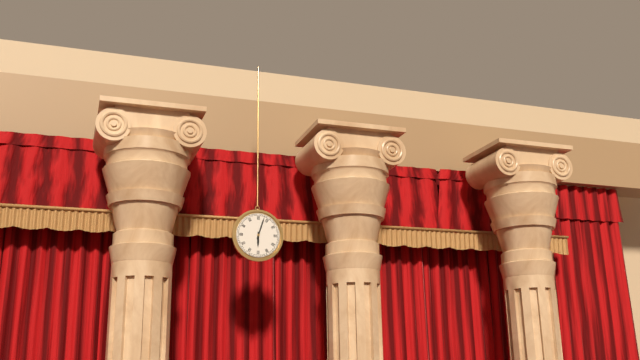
6:03
